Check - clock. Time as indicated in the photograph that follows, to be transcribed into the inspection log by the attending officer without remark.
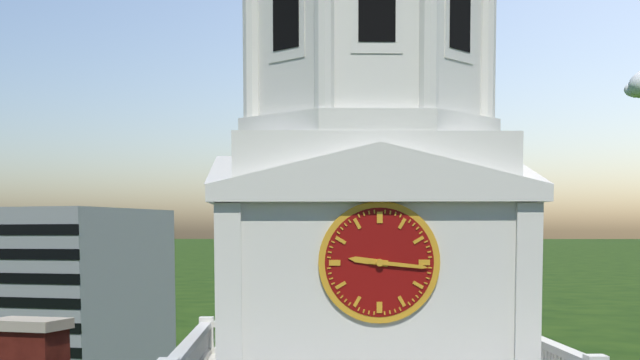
9:16
